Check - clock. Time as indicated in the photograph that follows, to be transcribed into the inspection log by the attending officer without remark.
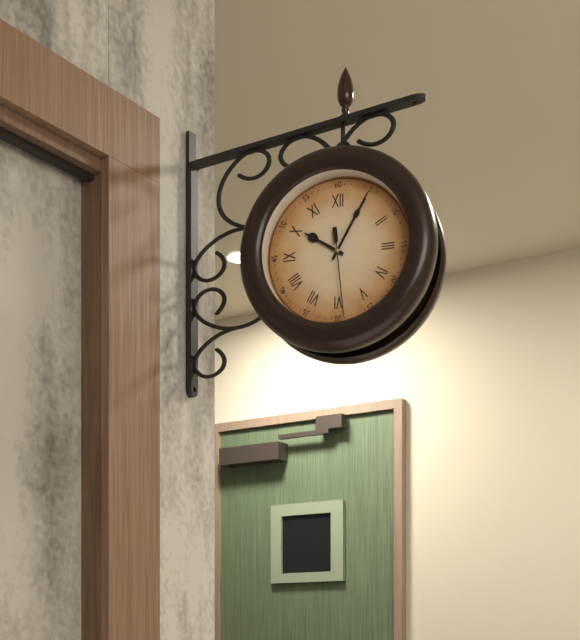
10:05:29
